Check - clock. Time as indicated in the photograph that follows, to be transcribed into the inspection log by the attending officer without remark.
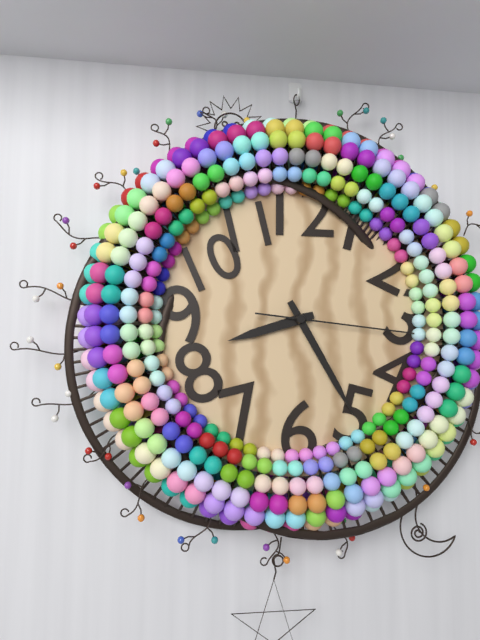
8:25:16
